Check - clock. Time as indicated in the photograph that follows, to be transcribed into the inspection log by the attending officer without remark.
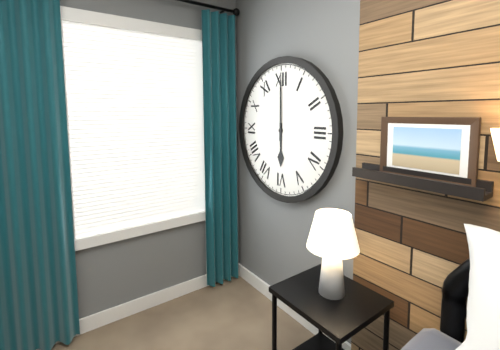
6:00
